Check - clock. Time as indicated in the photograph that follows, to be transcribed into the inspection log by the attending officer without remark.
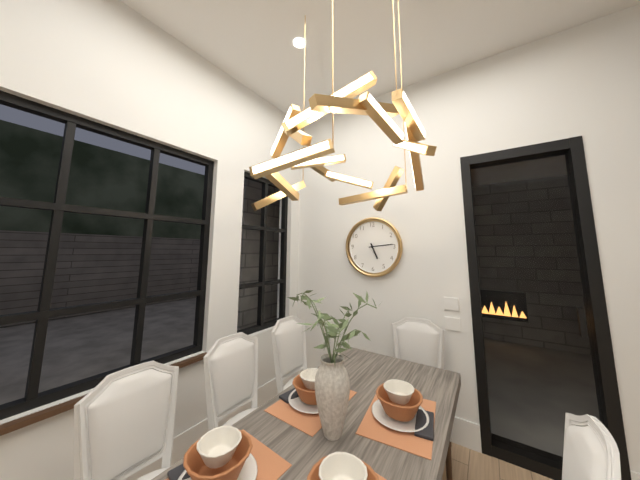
5:14
